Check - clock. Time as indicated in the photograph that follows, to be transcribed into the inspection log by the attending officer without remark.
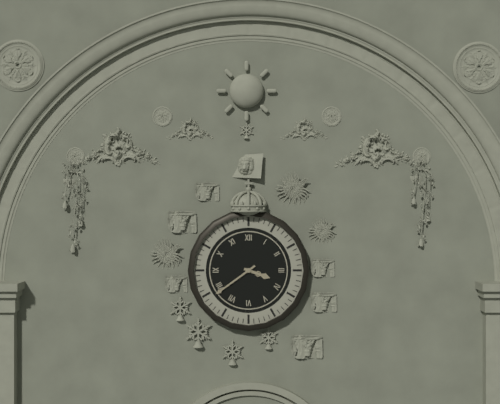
3:39
